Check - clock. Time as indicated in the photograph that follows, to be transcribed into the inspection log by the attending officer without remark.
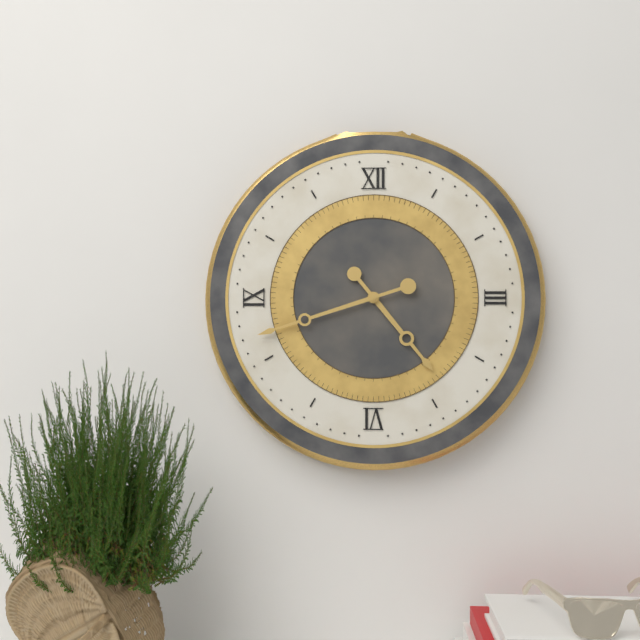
4:42
